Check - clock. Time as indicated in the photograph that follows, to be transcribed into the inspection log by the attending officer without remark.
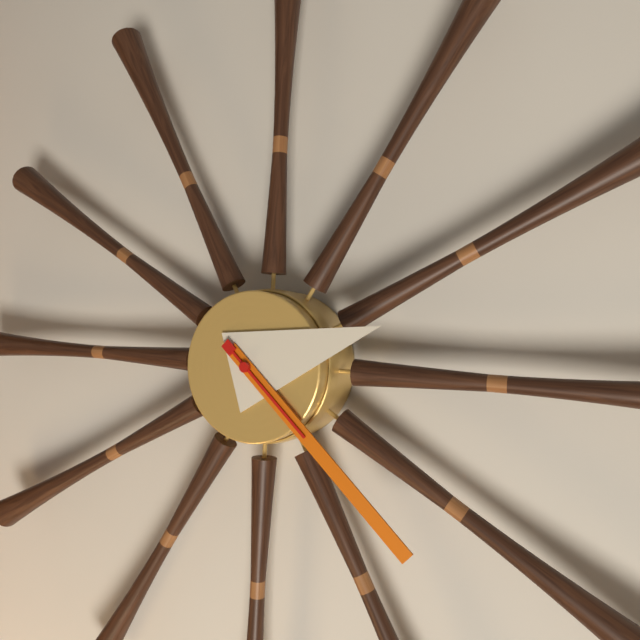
2:22:22
